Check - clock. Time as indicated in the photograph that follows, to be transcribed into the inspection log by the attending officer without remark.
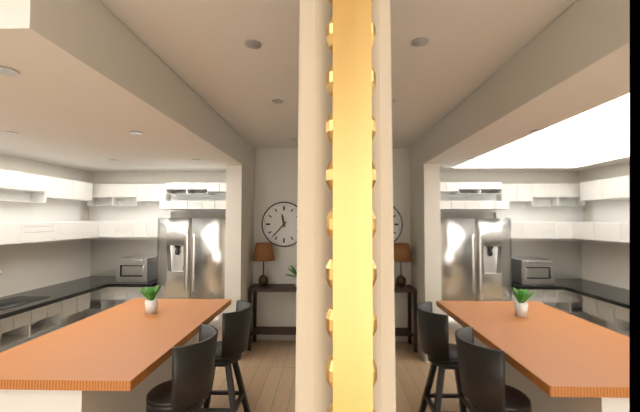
11:37
